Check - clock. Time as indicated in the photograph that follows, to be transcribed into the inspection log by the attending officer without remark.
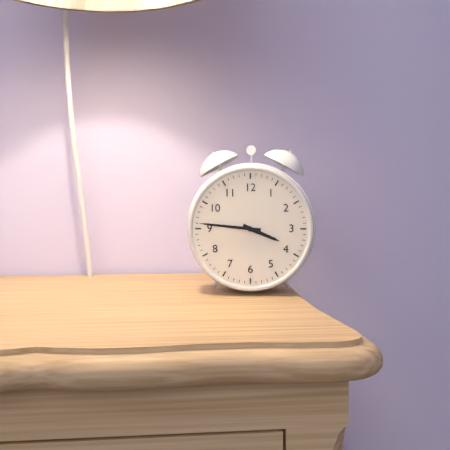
3:46
